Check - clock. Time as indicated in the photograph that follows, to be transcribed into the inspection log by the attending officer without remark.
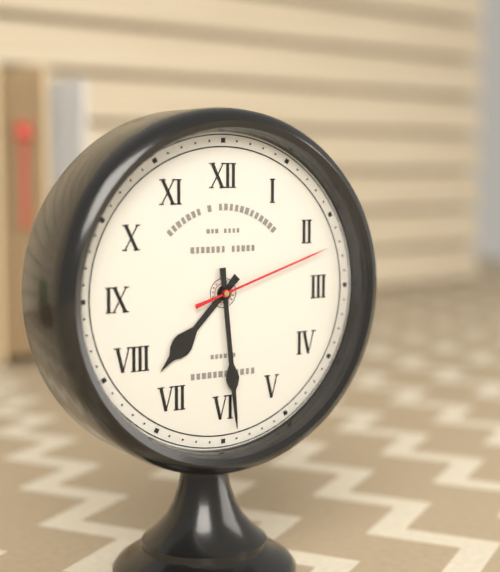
7:29:12
